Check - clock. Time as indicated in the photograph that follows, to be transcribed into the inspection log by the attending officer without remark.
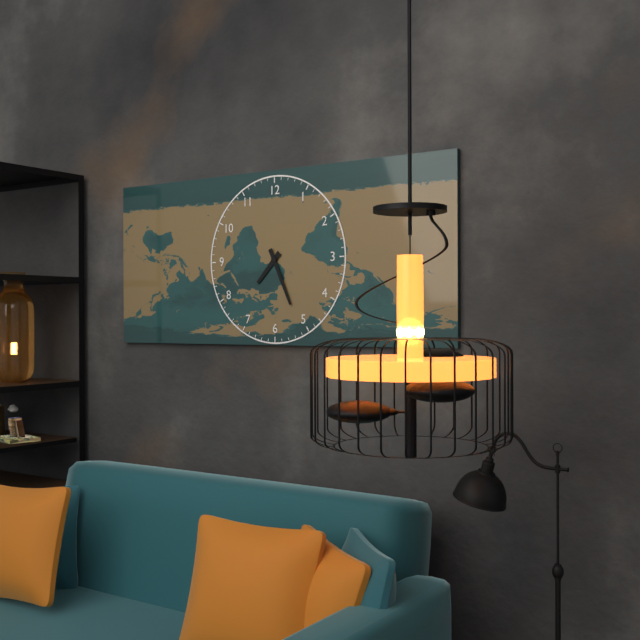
7:26
